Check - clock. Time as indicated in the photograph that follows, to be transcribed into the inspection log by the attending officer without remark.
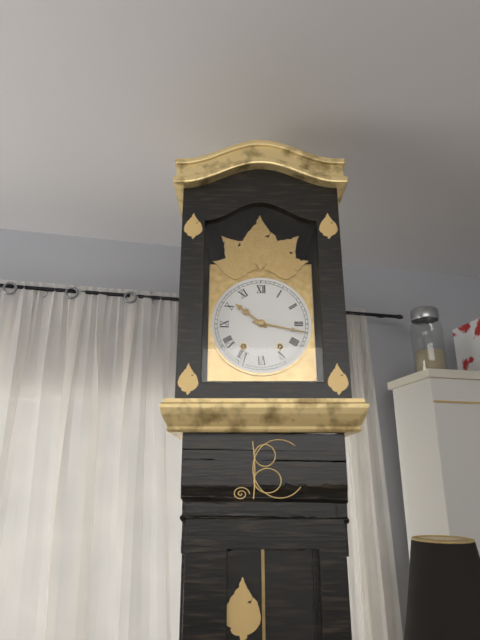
10:17
